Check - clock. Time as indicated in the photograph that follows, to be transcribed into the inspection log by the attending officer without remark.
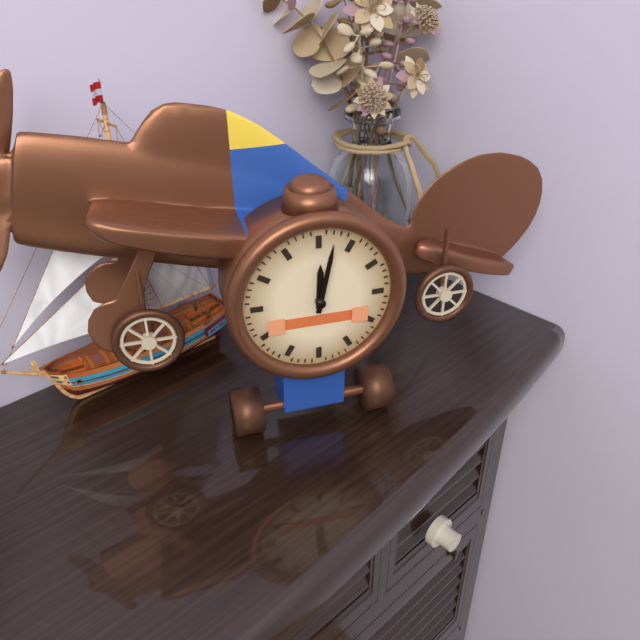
12:02
